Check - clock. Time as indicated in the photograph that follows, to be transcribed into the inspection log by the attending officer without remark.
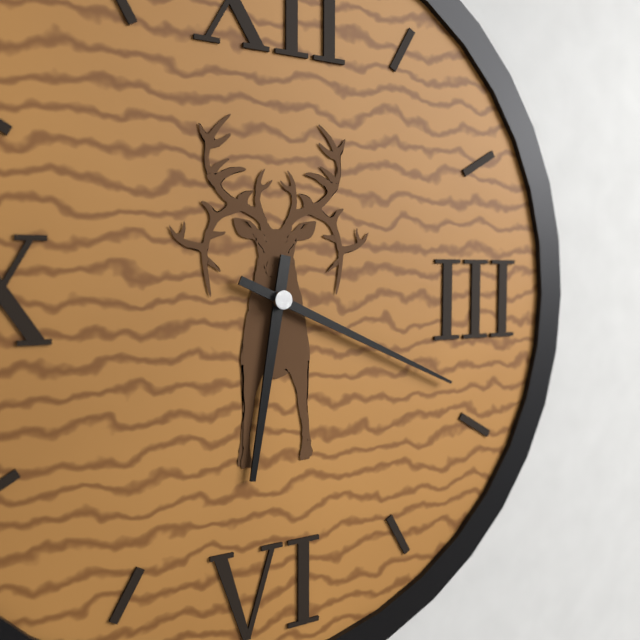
6:19
